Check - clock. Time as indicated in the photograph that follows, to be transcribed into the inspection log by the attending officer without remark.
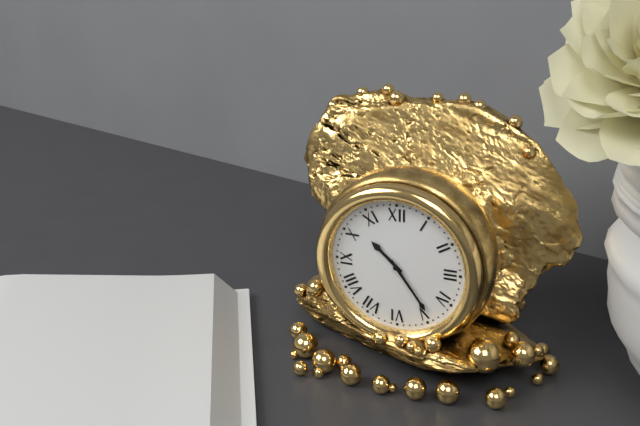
10:24
